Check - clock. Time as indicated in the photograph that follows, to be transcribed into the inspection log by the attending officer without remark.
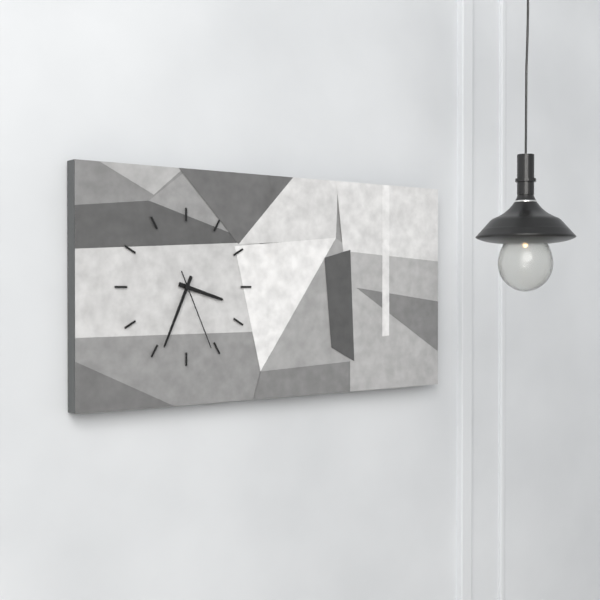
3:34:26
